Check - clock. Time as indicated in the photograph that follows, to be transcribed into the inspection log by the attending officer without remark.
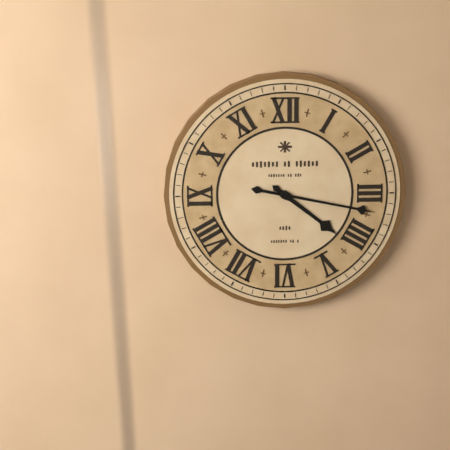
4:17
